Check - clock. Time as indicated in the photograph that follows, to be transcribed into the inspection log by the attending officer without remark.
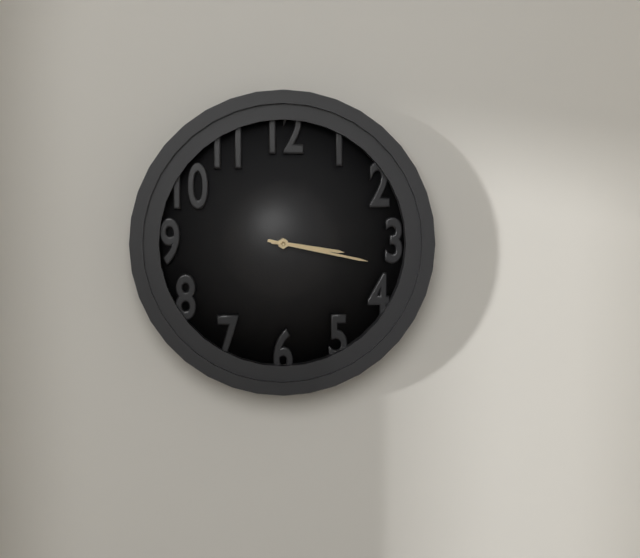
3:17
